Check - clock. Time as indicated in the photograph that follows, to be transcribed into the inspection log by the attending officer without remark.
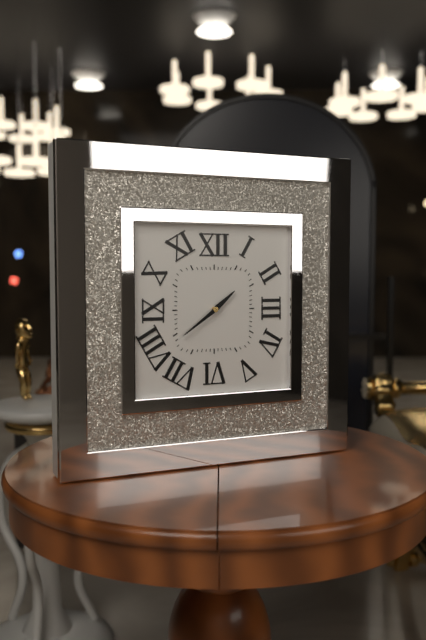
1:39
